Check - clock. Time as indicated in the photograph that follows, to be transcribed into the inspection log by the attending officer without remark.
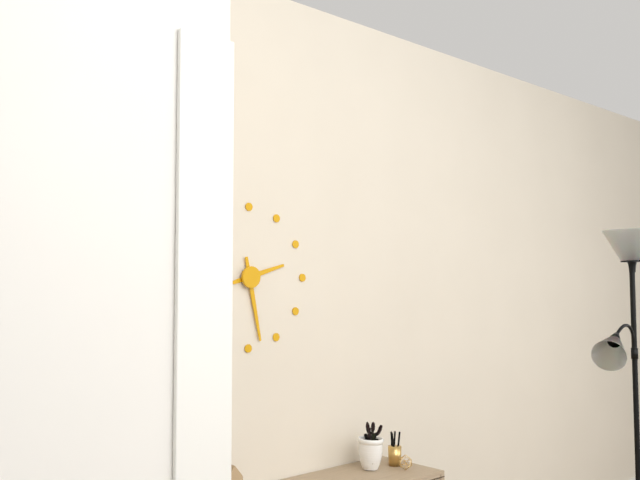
2:28
